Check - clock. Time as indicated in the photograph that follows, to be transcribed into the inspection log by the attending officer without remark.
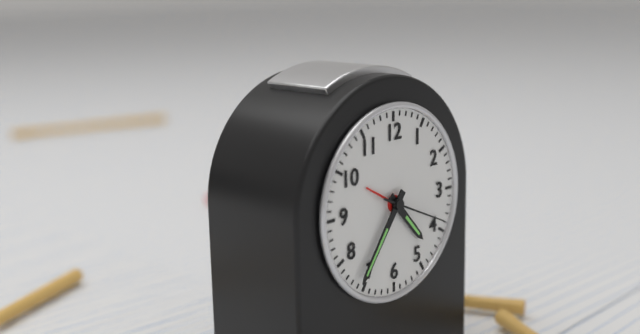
4:36:19
